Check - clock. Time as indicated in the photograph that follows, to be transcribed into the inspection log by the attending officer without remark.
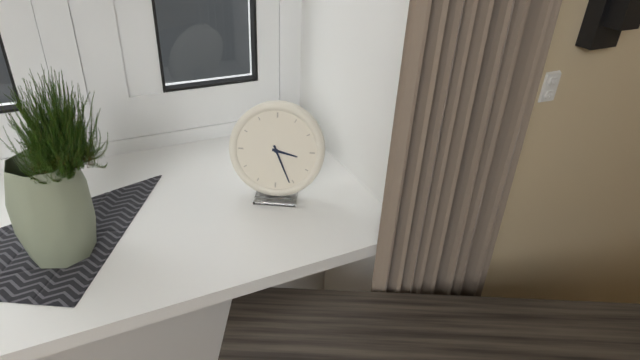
3:26
